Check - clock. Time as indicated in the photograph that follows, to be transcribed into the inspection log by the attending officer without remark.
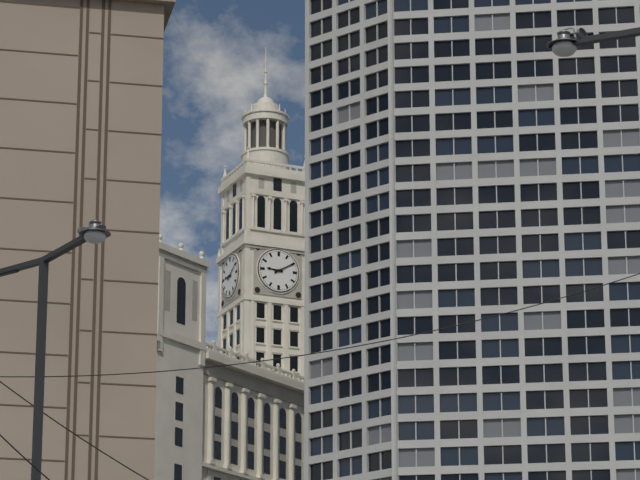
9:10
